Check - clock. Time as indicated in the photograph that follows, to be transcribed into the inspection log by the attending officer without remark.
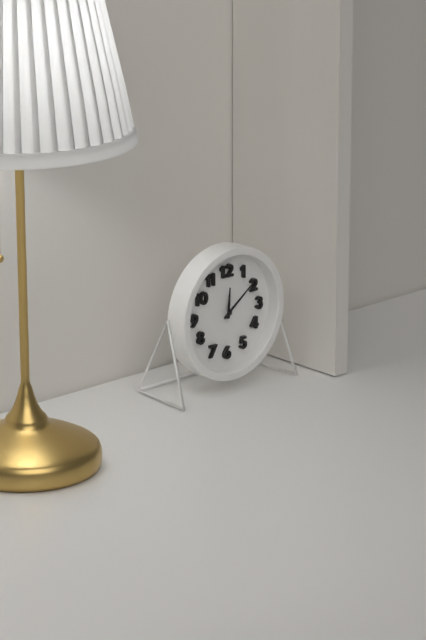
12:09
